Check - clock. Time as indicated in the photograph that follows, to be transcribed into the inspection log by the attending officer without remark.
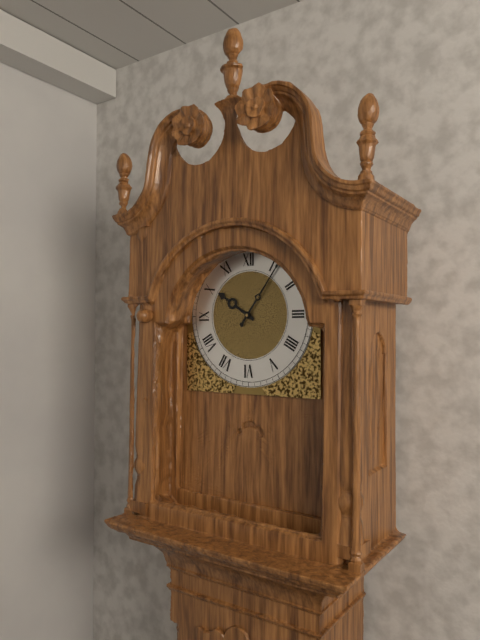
10:06
